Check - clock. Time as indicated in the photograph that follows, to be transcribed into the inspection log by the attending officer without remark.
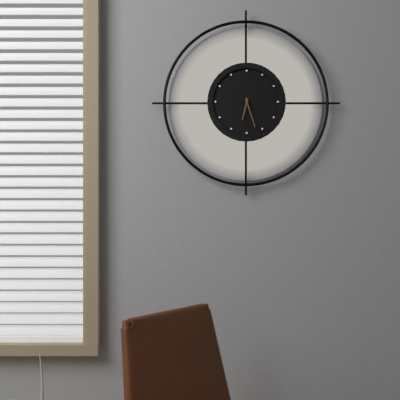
6:27
